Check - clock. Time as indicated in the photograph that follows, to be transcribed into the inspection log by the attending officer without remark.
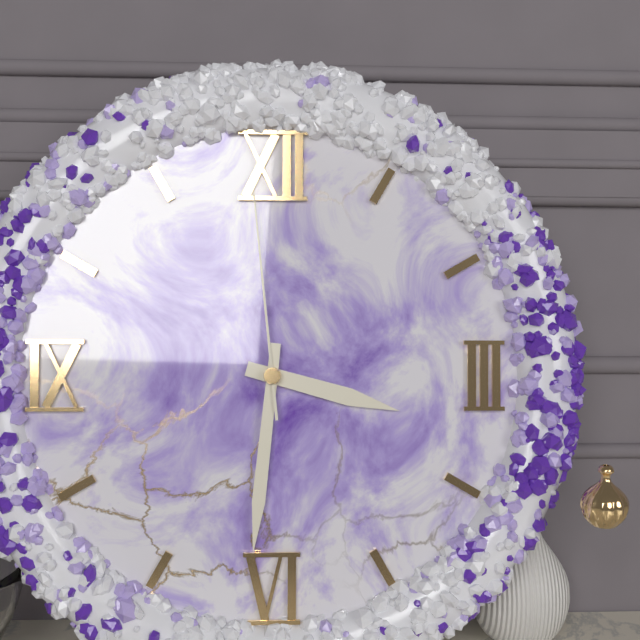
3:31:59
